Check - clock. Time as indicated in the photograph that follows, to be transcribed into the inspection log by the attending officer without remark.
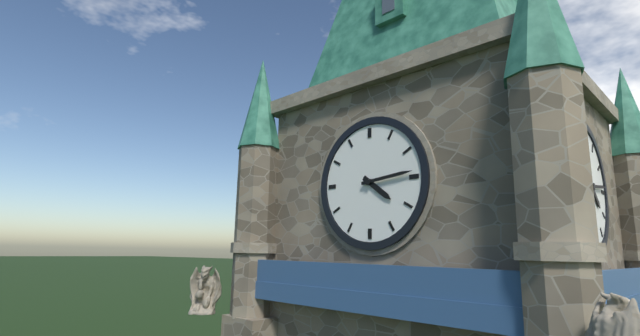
4:14
